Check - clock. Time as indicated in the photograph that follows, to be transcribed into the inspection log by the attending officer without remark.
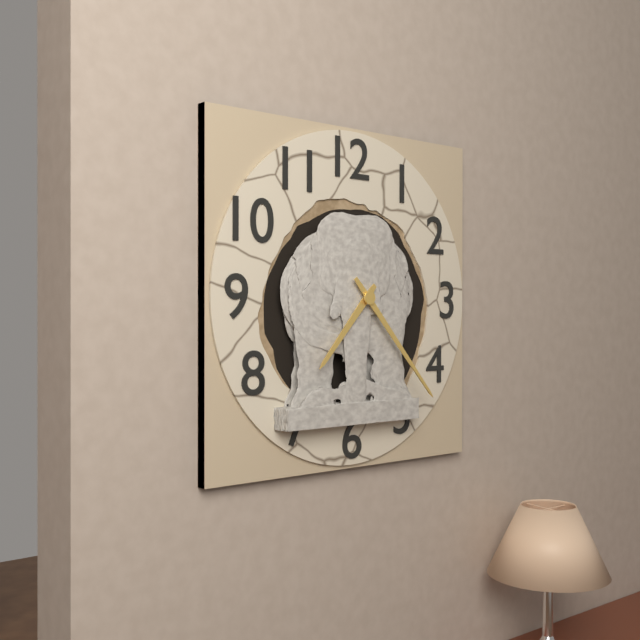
7:23
